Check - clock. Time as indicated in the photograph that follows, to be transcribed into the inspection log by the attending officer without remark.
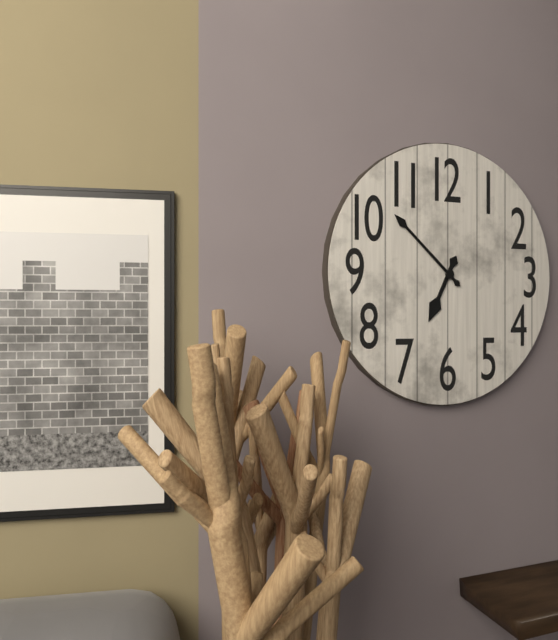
6:52
